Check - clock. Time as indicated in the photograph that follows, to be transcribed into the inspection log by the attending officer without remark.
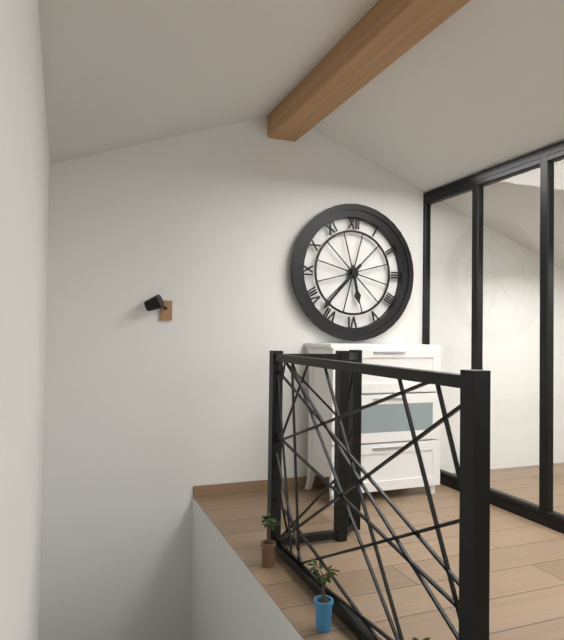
5:37
